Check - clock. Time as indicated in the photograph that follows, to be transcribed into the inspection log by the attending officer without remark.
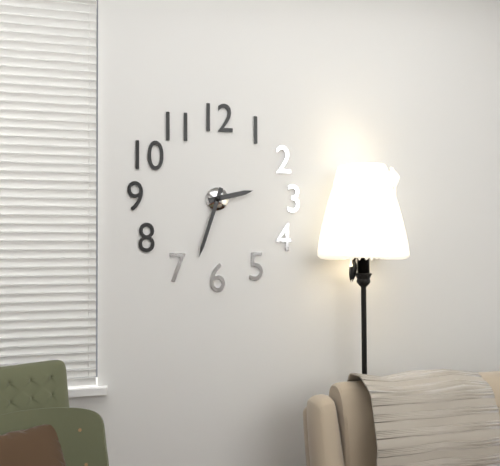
2:33
